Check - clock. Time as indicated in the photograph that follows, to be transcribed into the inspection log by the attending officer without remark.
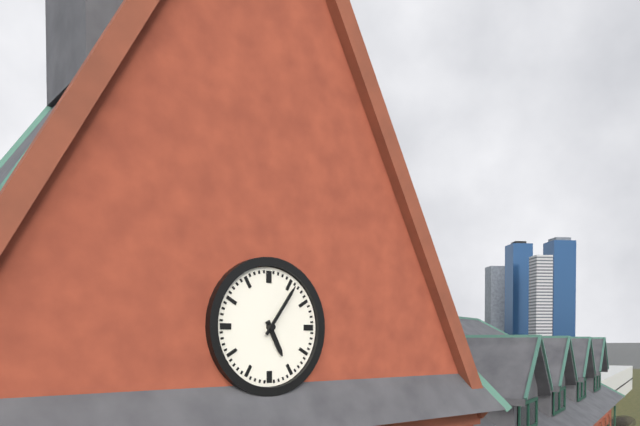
5:06
